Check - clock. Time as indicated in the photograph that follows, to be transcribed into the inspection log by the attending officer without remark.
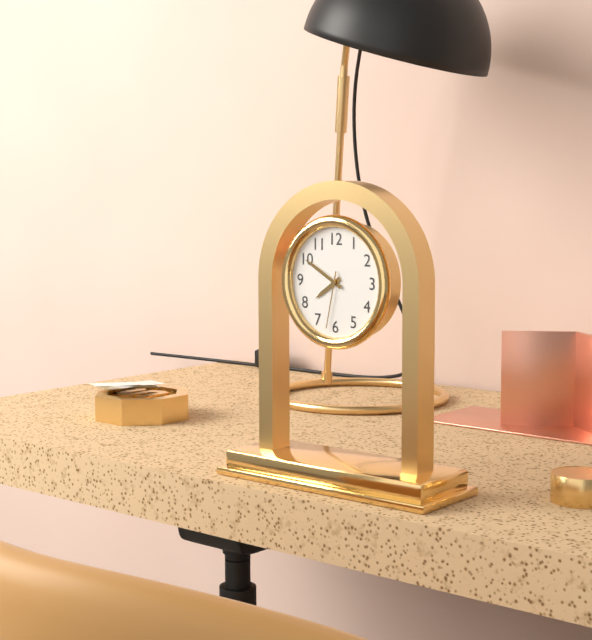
7:50:32
